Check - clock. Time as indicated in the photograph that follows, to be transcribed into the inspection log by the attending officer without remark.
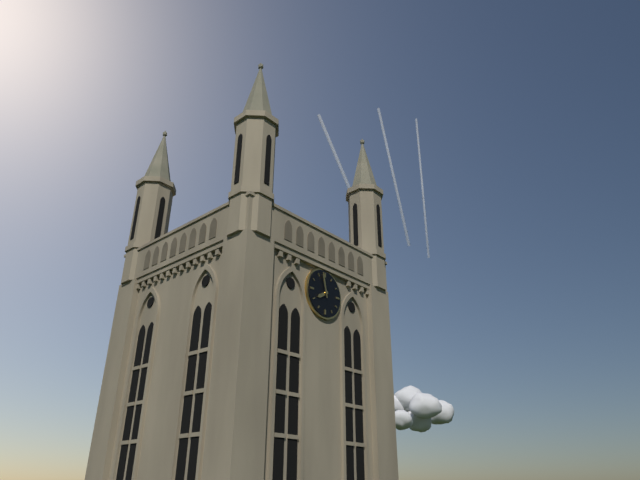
7:58
